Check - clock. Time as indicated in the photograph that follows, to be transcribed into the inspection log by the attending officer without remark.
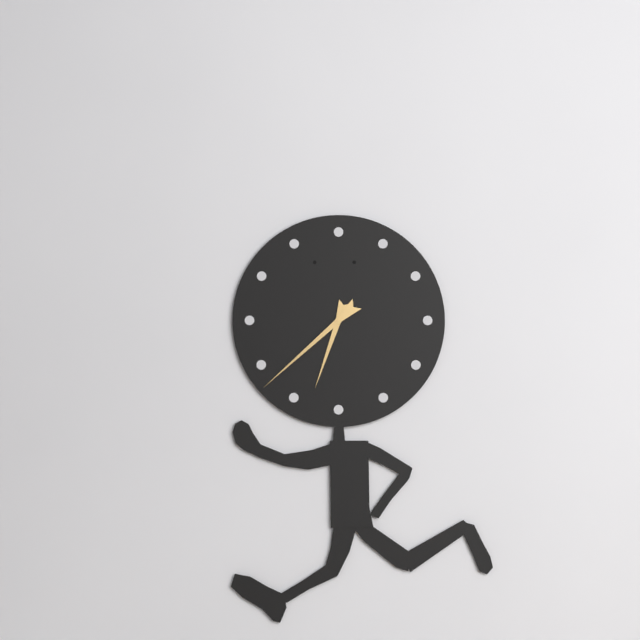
6:38
